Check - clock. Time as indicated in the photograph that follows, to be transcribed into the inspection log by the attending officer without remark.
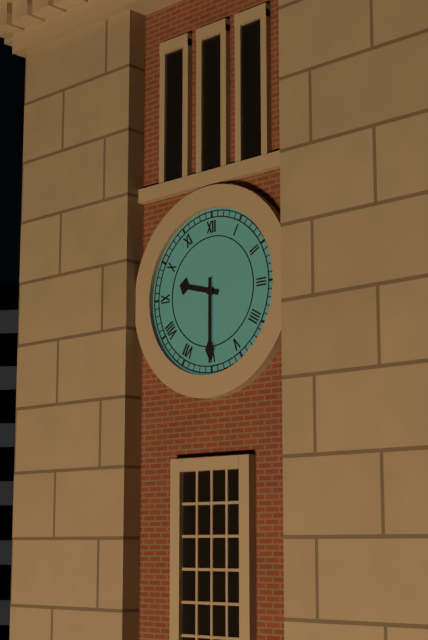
9:30
